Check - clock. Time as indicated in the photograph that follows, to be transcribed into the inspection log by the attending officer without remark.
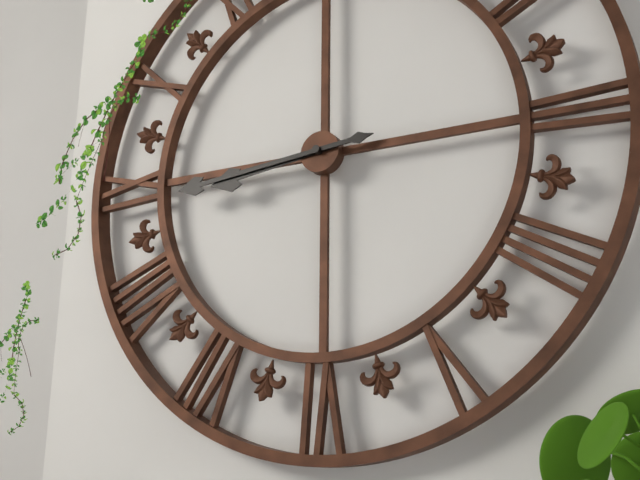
8:44
